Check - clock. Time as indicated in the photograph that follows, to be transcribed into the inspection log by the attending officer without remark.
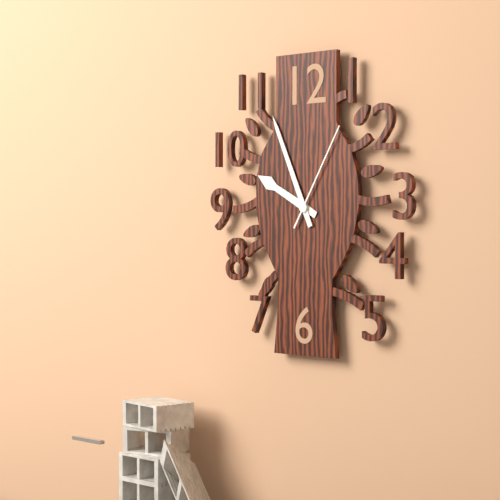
9:56:05
